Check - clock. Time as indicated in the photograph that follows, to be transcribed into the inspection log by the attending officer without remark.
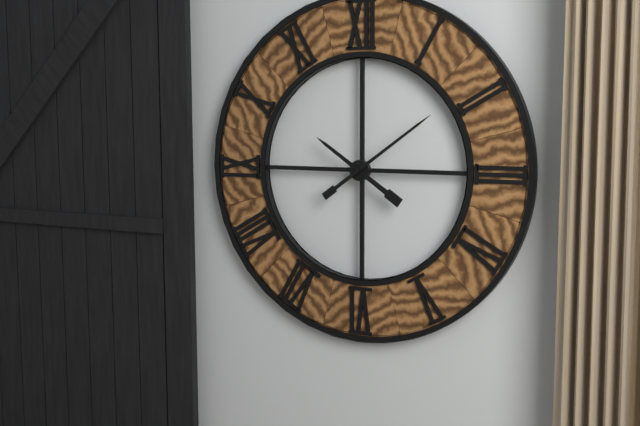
10:09
